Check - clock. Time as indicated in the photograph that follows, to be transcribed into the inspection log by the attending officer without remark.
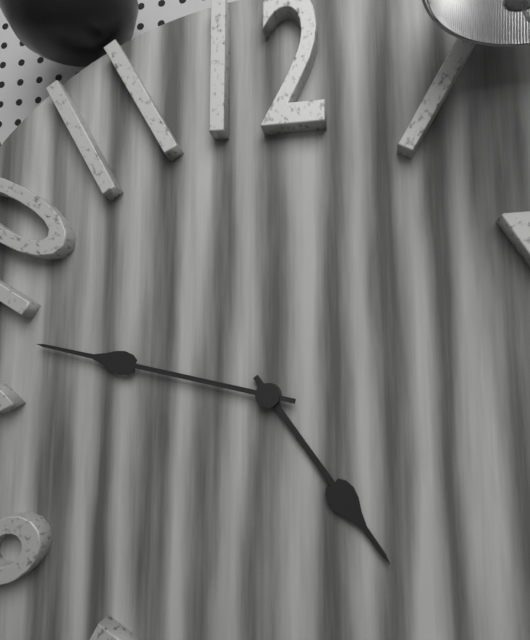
4:47
